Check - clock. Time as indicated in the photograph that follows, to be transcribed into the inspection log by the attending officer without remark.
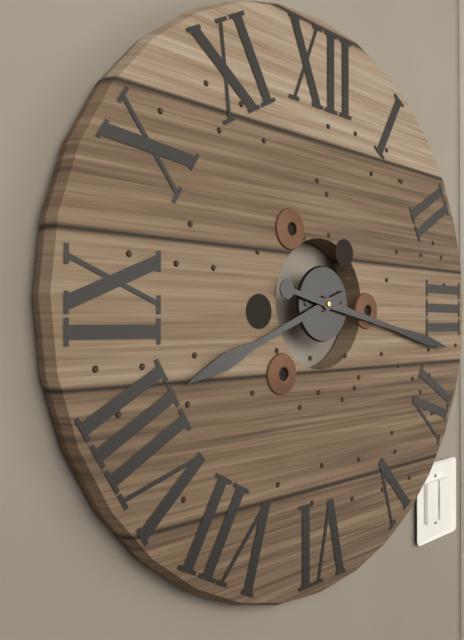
8:17
